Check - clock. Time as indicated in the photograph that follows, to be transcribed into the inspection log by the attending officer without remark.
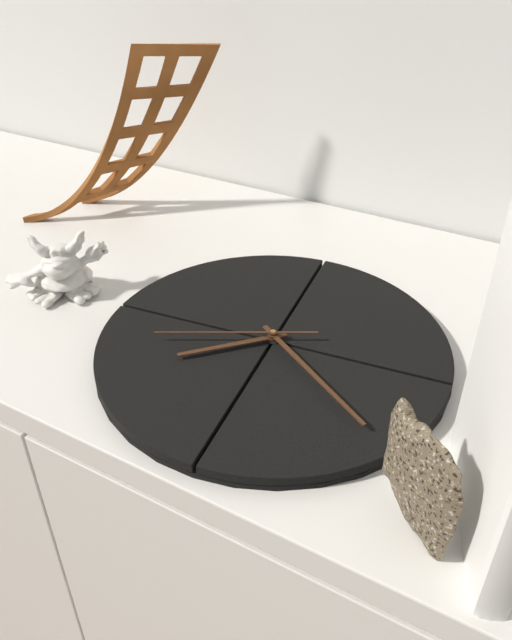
8:25:45
